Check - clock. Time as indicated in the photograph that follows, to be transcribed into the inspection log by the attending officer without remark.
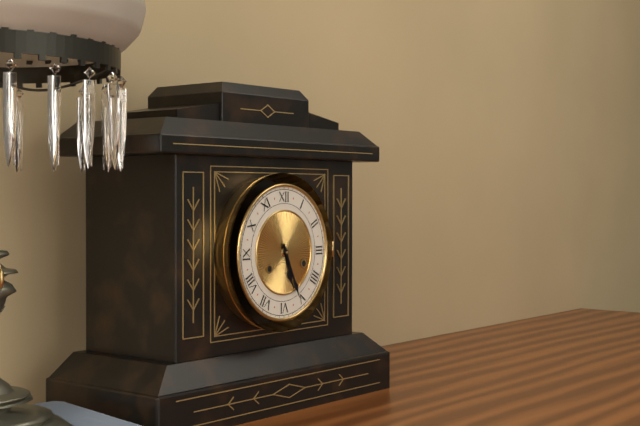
5:26
